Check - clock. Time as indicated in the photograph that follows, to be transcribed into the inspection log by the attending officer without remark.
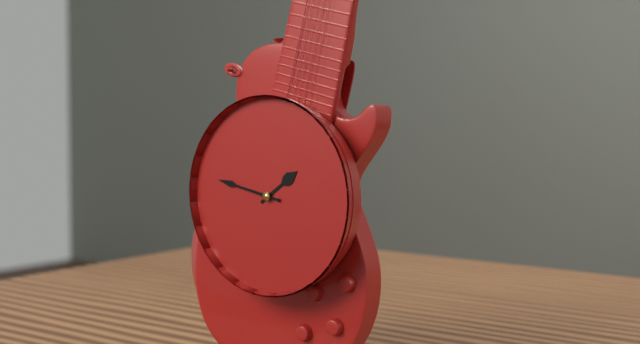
1:47
